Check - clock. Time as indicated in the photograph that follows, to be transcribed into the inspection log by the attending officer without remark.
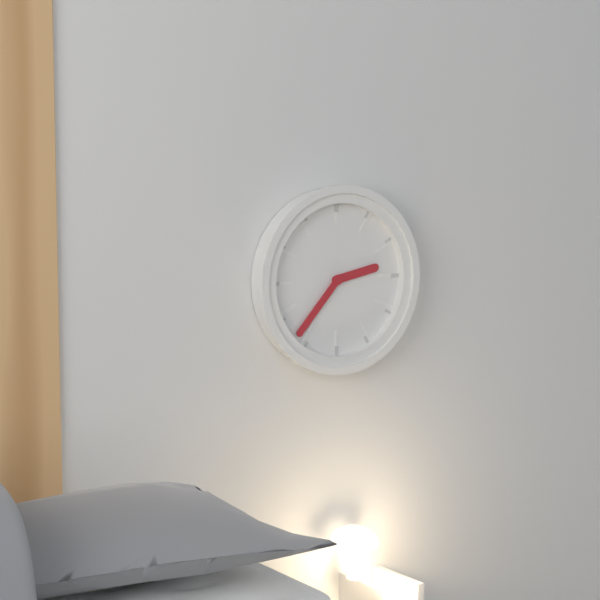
2:37
